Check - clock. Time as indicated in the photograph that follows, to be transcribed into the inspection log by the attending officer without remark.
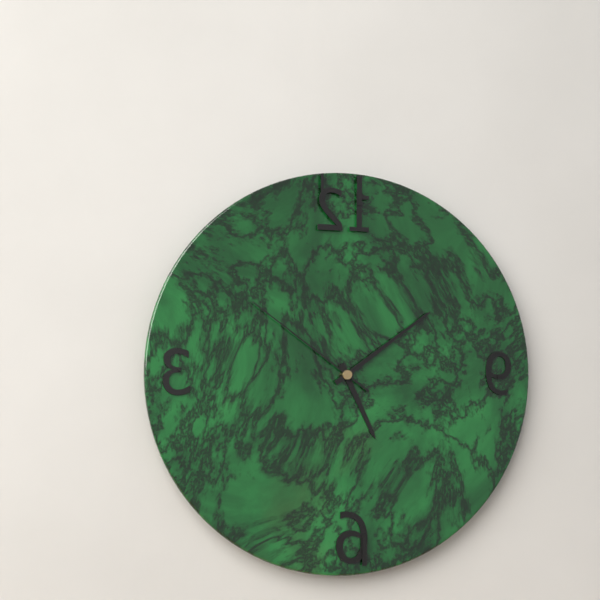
5:09:51
